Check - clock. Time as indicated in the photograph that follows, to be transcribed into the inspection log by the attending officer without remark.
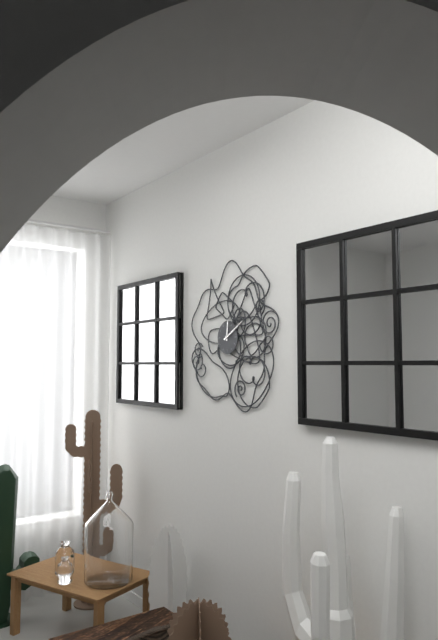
12:10
